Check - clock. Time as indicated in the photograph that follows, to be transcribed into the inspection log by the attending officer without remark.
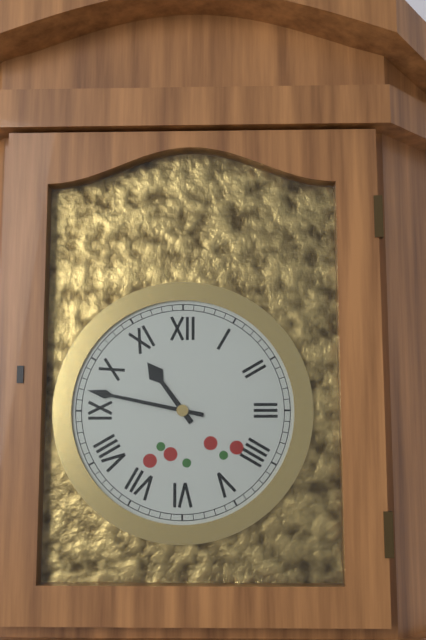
10:47
